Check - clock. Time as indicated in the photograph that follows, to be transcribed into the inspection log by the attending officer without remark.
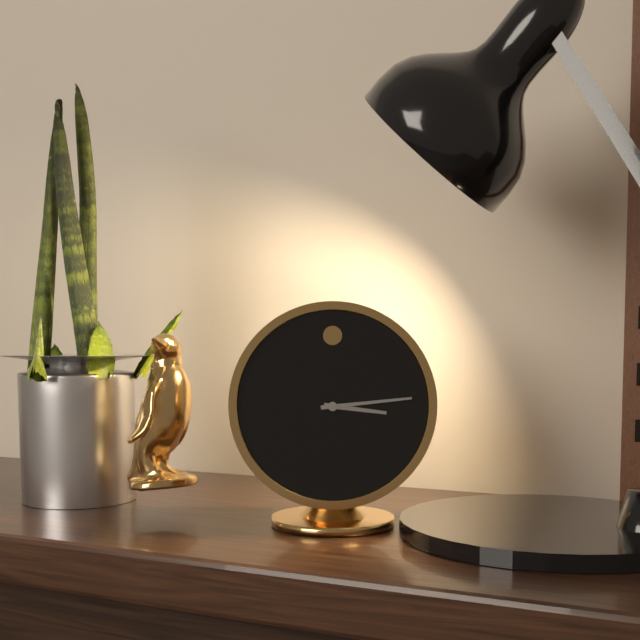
3:14
